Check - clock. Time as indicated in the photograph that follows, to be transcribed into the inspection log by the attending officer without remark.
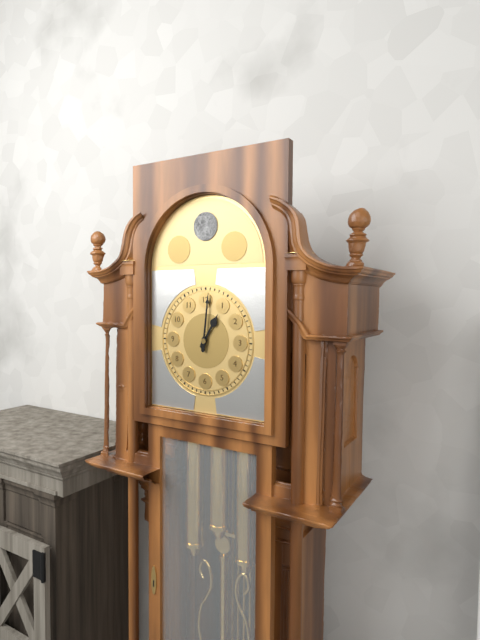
1:01
